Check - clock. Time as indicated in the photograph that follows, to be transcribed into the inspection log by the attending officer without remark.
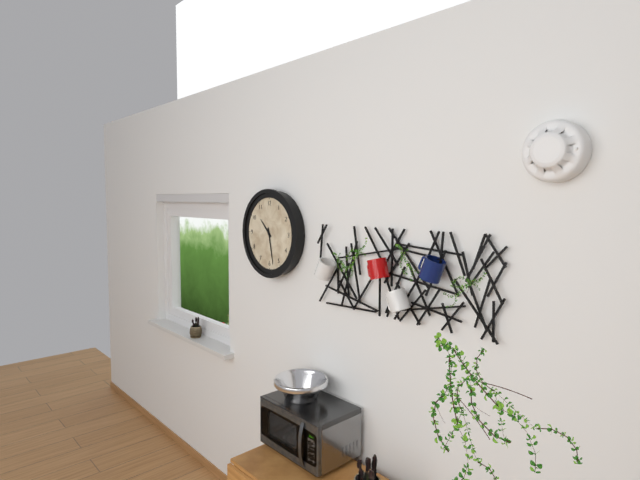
10:28
